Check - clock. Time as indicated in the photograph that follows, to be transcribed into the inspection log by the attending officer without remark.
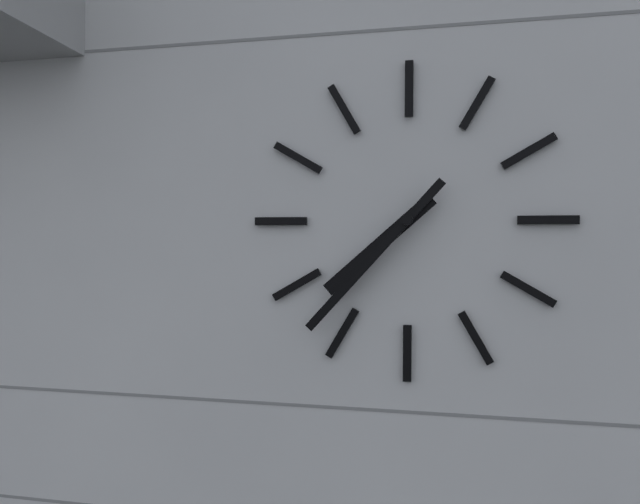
7:37
